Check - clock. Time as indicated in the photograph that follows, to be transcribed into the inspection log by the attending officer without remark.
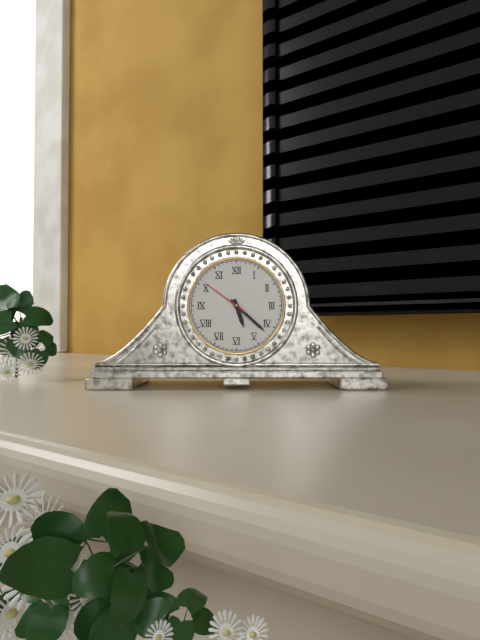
5:22
